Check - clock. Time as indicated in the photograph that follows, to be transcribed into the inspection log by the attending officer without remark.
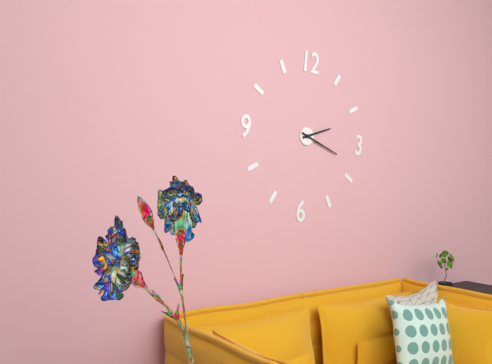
2:18
